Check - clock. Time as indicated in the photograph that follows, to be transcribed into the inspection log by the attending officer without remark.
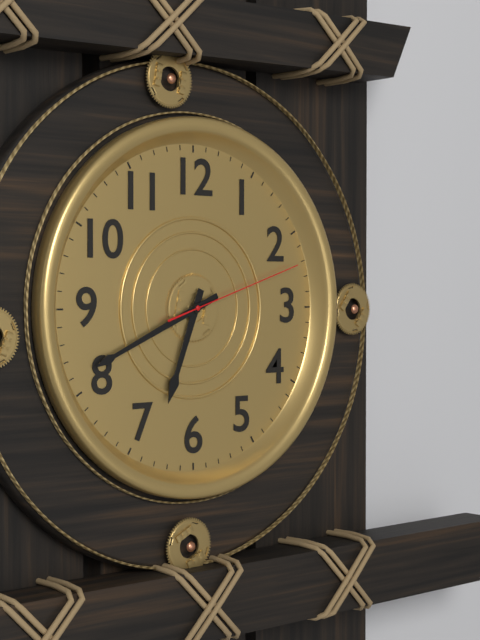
6:41:12
